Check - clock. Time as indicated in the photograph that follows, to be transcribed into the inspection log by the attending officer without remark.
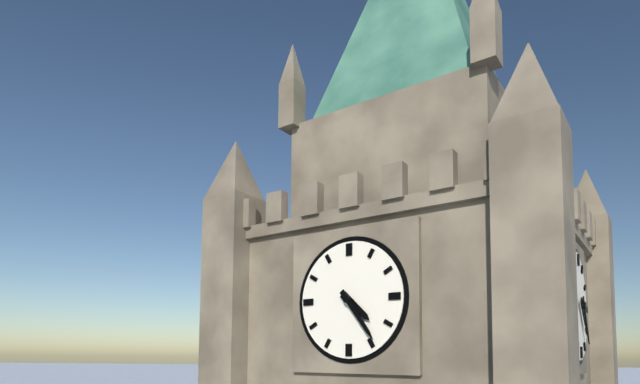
4:24
